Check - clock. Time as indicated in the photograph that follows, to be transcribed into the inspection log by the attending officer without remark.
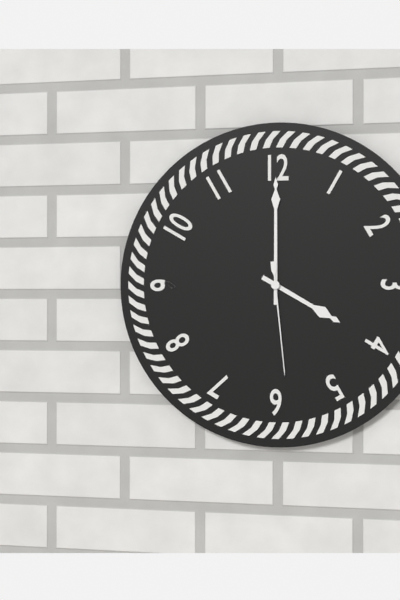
4:00:29
